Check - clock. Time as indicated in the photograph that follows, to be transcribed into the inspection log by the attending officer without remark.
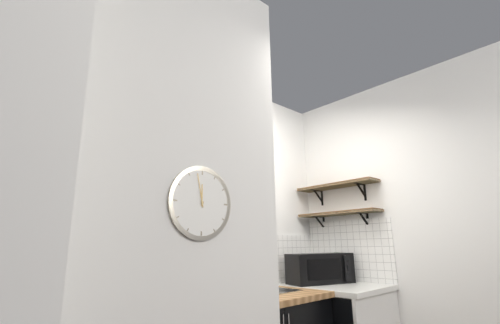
11:58
